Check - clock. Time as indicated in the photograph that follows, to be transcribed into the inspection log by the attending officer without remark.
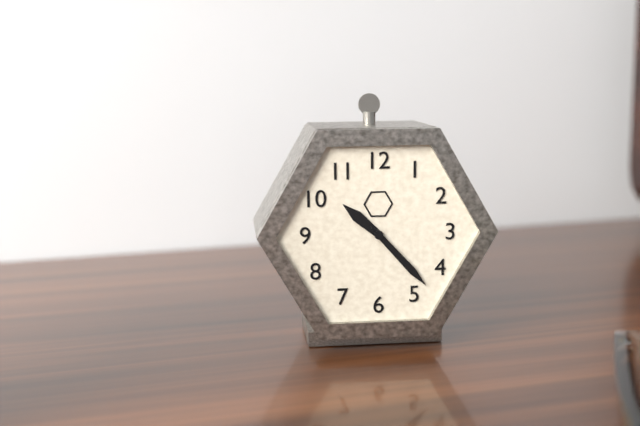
10:23
